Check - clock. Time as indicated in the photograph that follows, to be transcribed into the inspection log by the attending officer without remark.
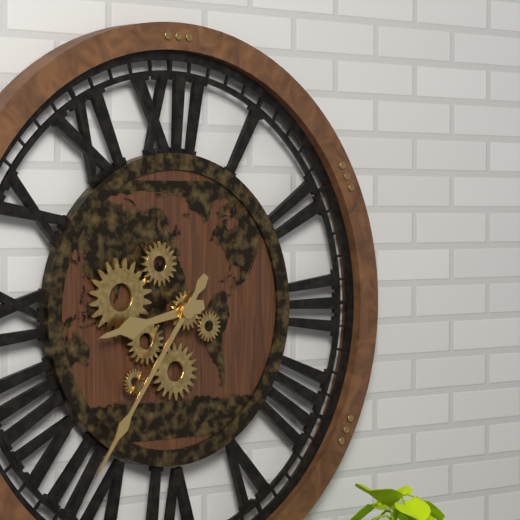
8:36
